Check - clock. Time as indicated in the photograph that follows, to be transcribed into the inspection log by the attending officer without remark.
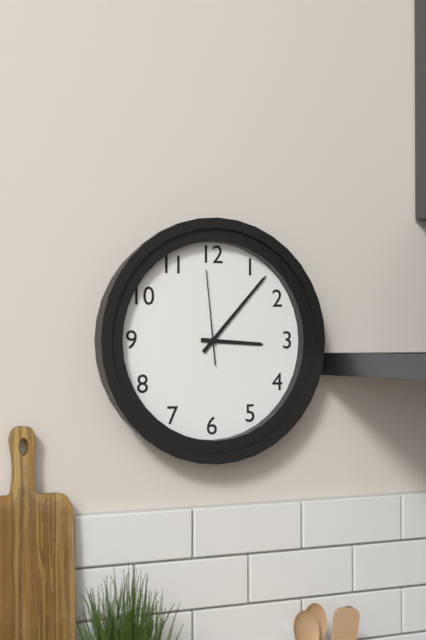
3:07:59
